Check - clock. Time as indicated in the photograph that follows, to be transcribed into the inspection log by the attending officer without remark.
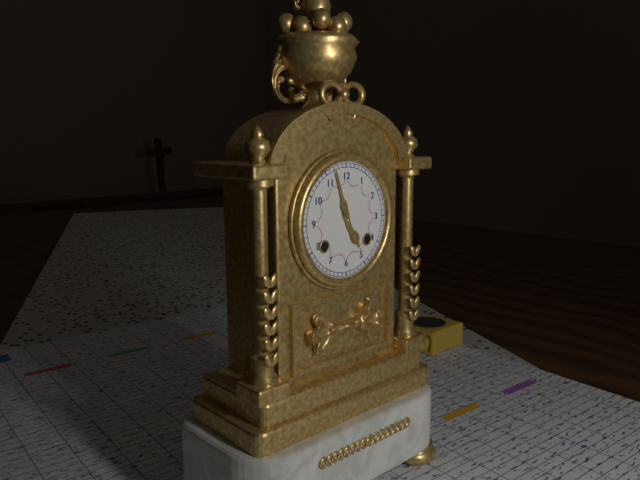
4:57
